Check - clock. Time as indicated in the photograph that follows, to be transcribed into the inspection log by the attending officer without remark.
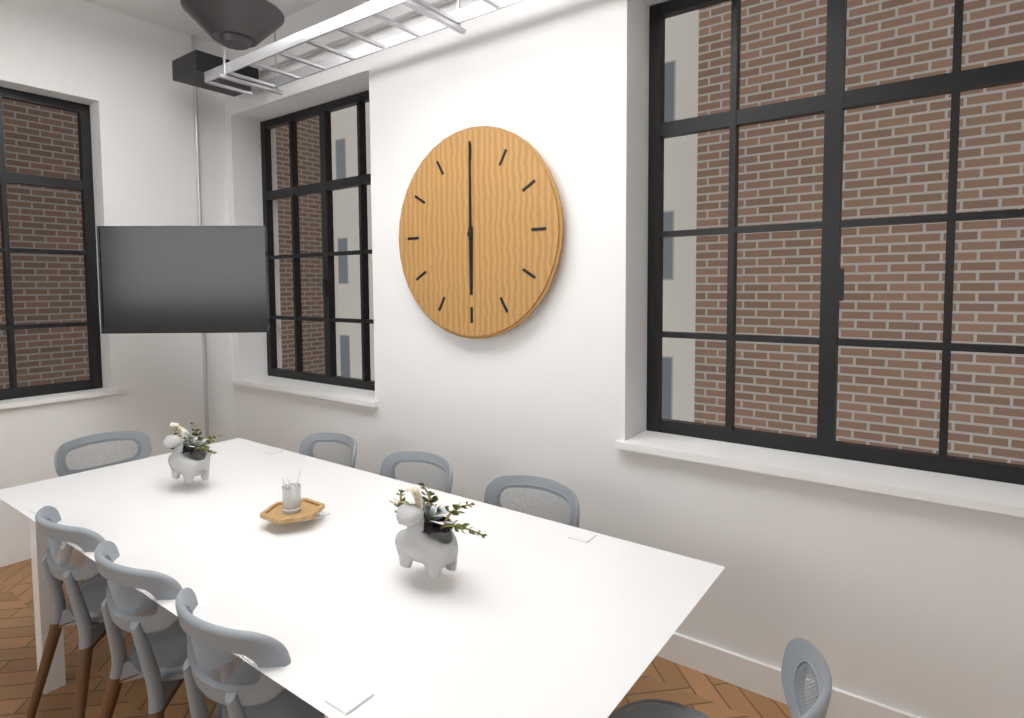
6:00
